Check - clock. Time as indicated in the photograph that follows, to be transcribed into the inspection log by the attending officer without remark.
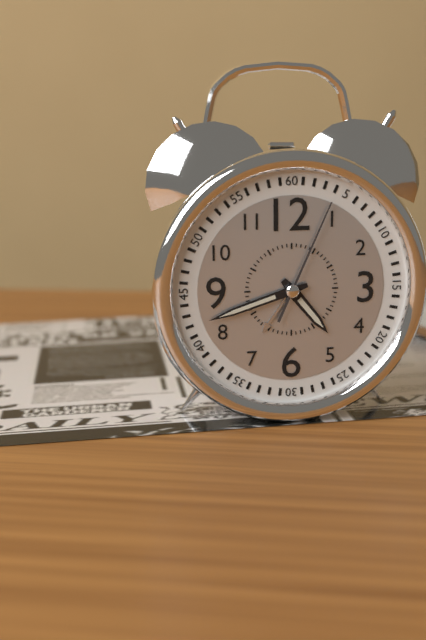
4:42:04
